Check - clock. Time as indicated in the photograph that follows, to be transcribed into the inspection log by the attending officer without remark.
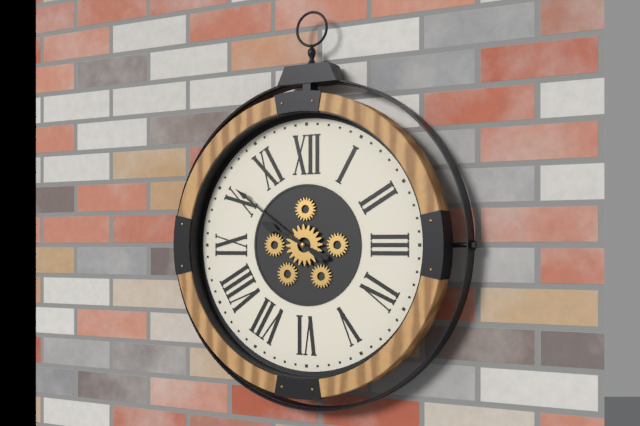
9:51
